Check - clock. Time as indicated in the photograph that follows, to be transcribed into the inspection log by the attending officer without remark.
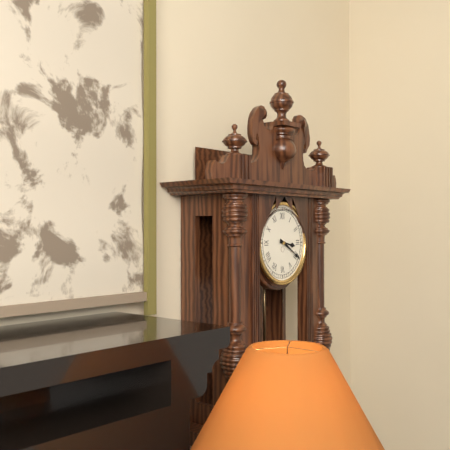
3:20
